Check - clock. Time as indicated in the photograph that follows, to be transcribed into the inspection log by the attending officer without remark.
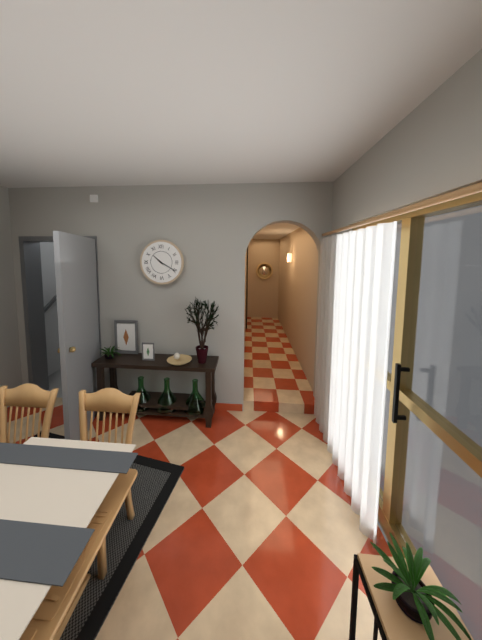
10:20
